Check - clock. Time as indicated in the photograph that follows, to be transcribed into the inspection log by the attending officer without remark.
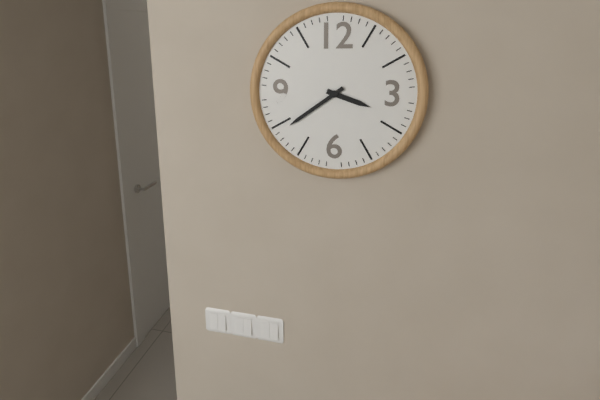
3:39
